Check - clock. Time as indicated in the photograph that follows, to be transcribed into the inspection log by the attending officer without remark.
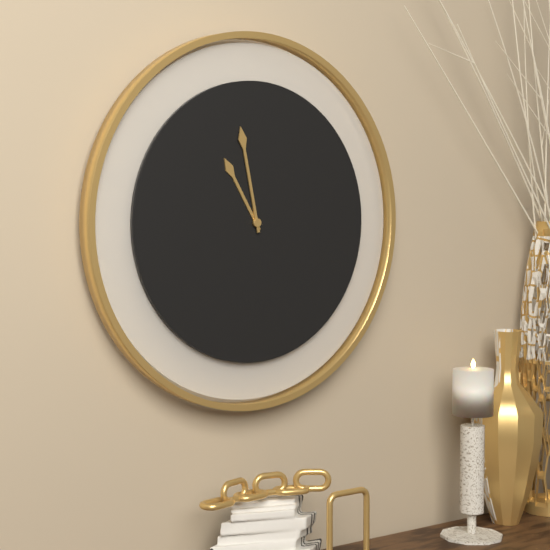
10:58
